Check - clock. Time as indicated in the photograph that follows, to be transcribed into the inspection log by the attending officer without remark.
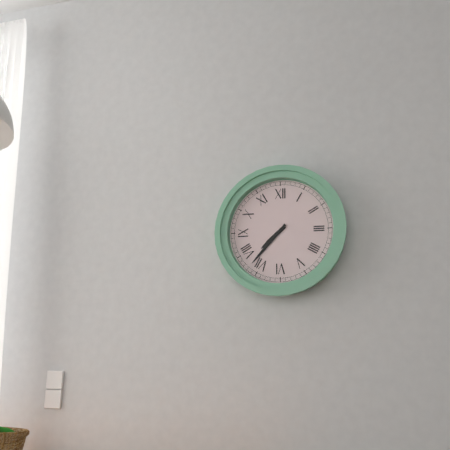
7:37
